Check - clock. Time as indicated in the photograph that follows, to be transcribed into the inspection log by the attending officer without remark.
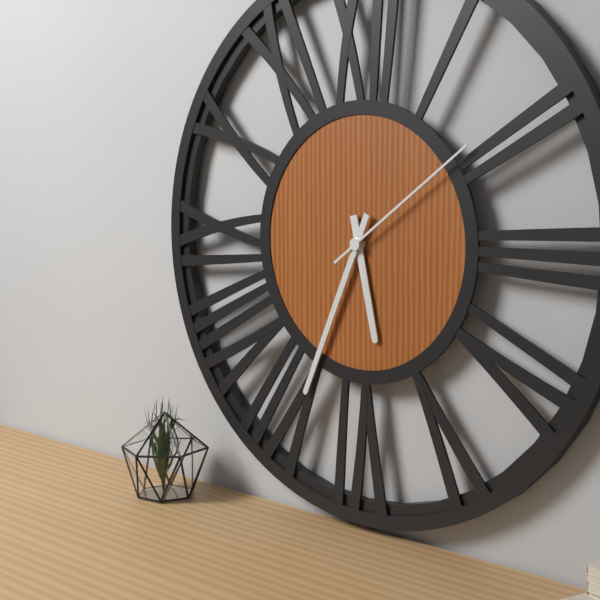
5:34:09
